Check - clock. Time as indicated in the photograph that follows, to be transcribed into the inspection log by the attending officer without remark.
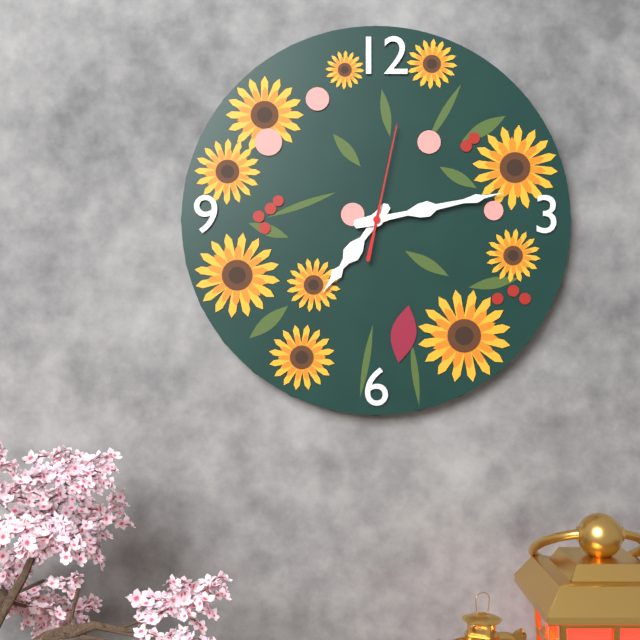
7:13:02
